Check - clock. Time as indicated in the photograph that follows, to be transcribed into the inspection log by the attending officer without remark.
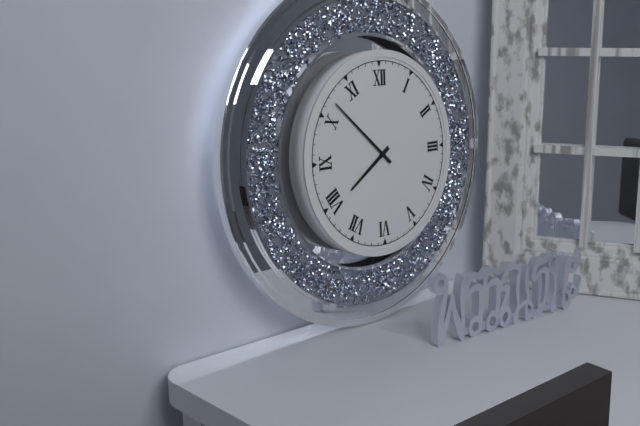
7:52
